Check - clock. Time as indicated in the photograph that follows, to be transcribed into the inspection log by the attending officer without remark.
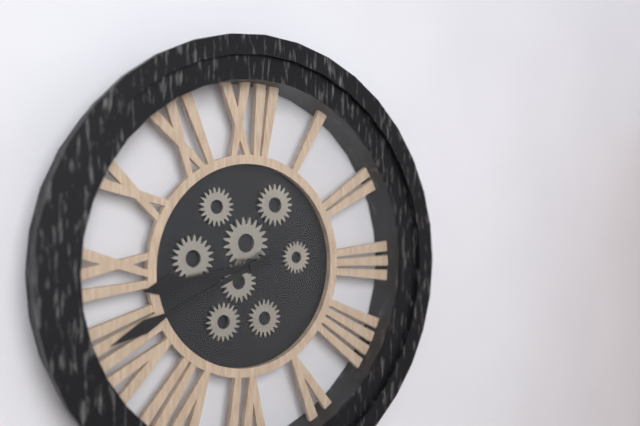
8:41
